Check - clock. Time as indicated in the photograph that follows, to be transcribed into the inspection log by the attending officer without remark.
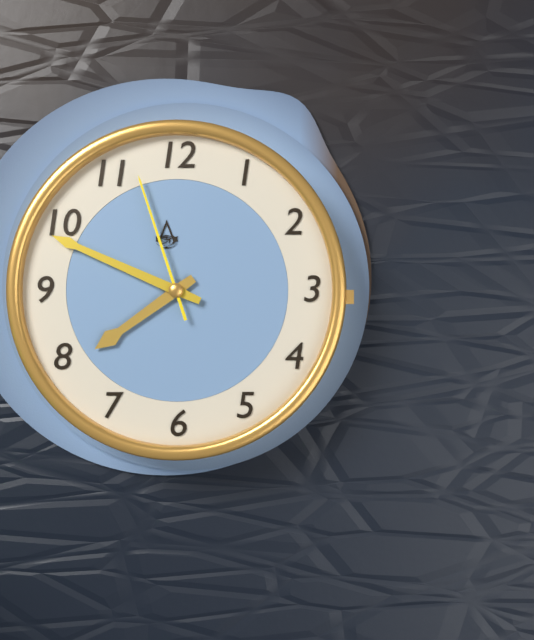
7:49:57
